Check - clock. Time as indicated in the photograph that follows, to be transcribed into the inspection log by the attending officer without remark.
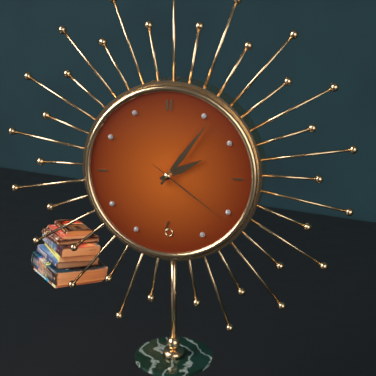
2:06:21
